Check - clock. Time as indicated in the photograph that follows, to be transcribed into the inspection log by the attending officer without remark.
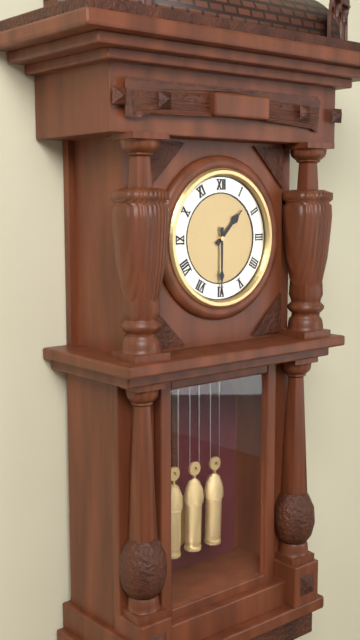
1:30
